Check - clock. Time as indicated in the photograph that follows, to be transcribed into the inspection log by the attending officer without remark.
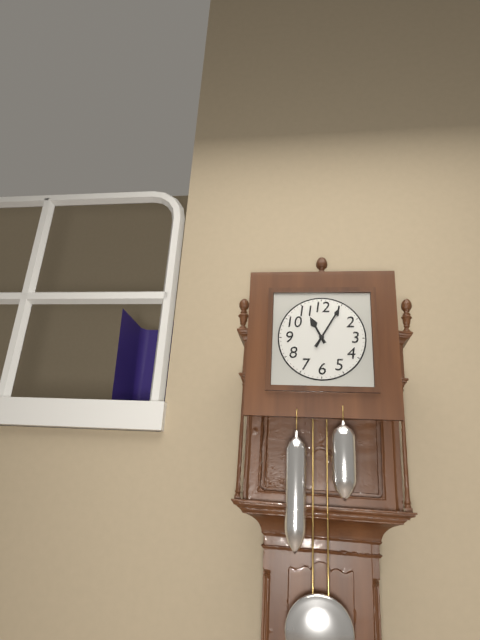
11:05
